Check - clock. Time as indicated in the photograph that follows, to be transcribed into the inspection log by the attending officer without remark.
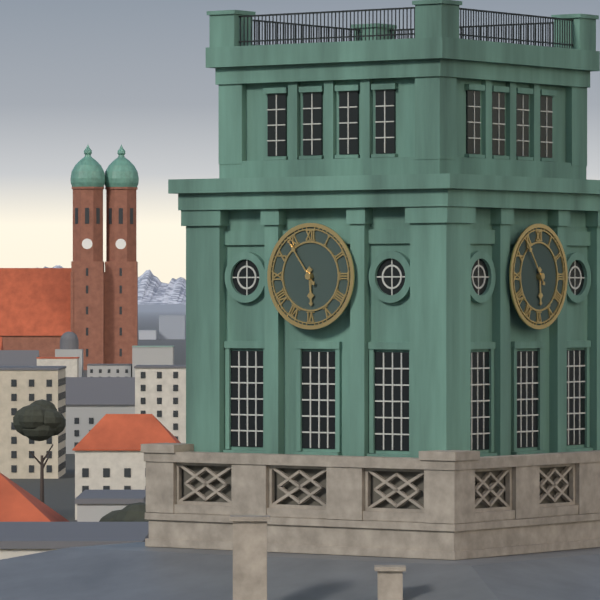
5:54
